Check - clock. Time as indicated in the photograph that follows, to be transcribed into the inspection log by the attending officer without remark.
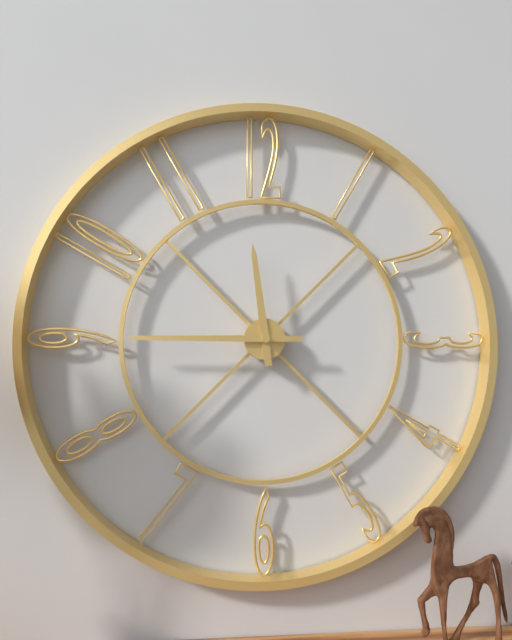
11:45
